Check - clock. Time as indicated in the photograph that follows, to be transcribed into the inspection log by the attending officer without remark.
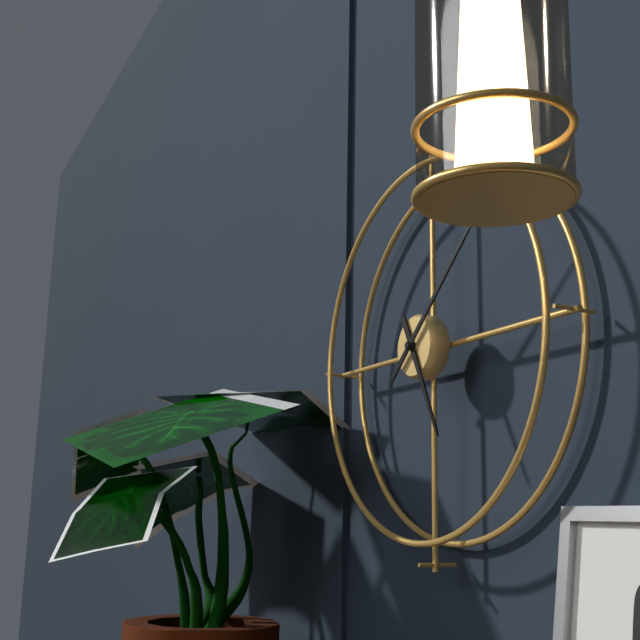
5:08
